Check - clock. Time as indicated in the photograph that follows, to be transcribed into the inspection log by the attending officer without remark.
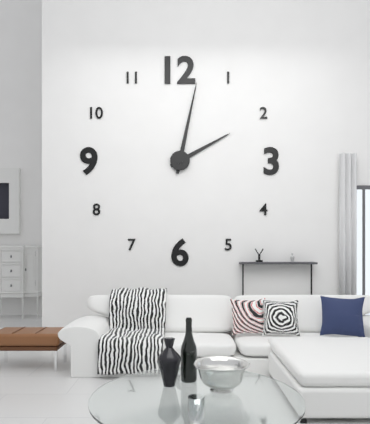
2:02
